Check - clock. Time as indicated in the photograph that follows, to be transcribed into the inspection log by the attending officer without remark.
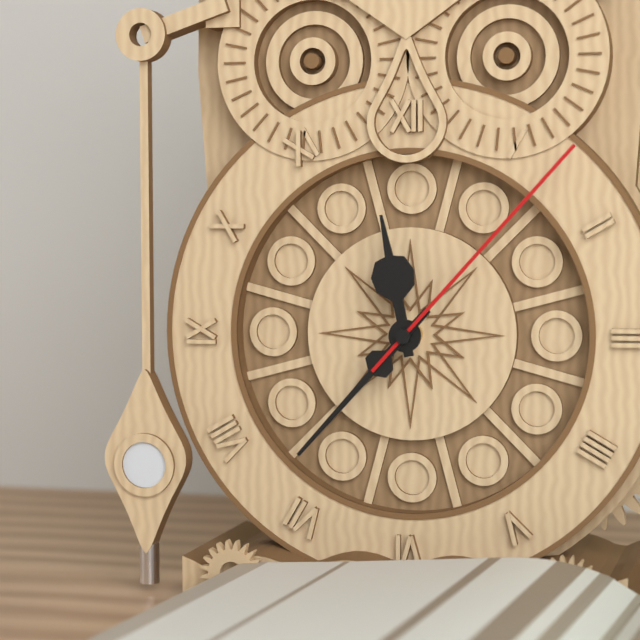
11:37:07
